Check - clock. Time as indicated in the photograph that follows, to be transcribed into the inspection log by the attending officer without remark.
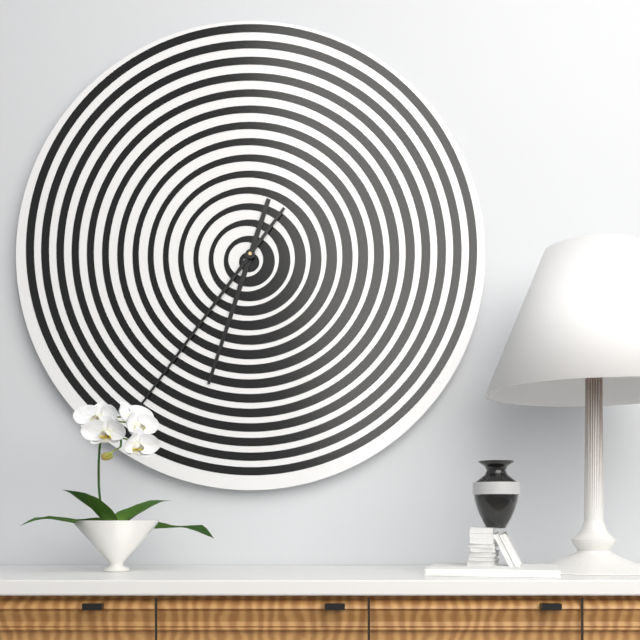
6:36
